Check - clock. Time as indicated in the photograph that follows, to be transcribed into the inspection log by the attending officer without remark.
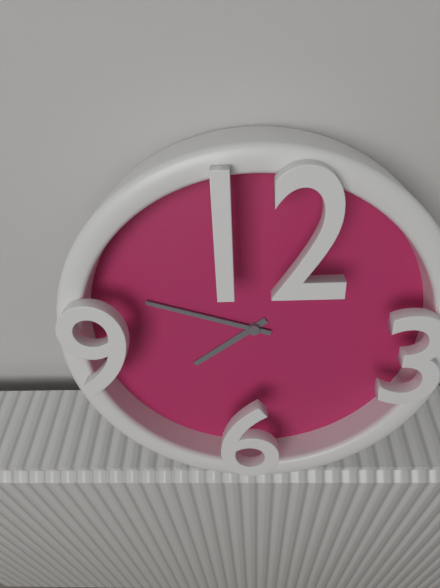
7:48
